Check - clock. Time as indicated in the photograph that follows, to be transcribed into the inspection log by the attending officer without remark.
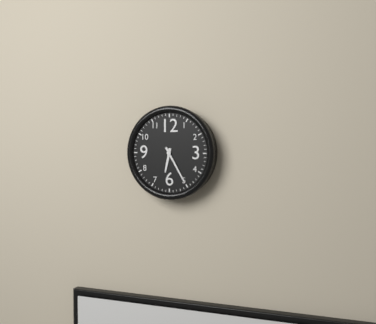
6:25
